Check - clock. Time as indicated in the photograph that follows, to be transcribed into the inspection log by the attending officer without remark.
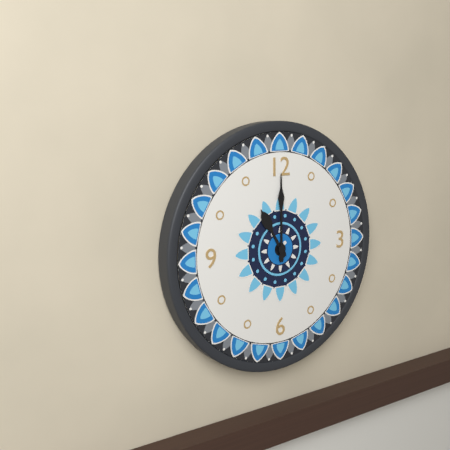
11:00
